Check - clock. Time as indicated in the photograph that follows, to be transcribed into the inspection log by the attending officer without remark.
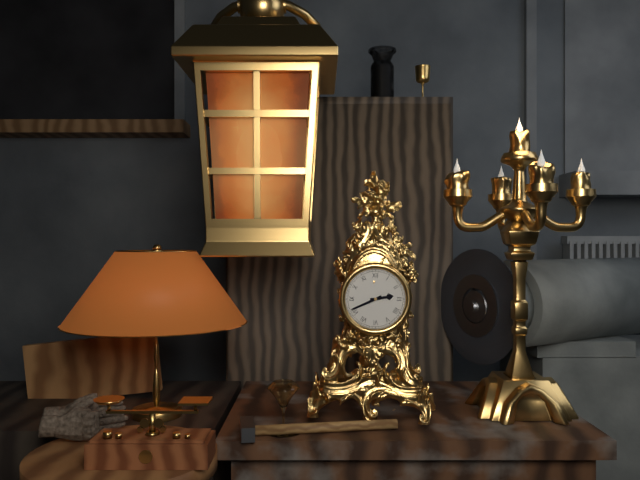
2:41
